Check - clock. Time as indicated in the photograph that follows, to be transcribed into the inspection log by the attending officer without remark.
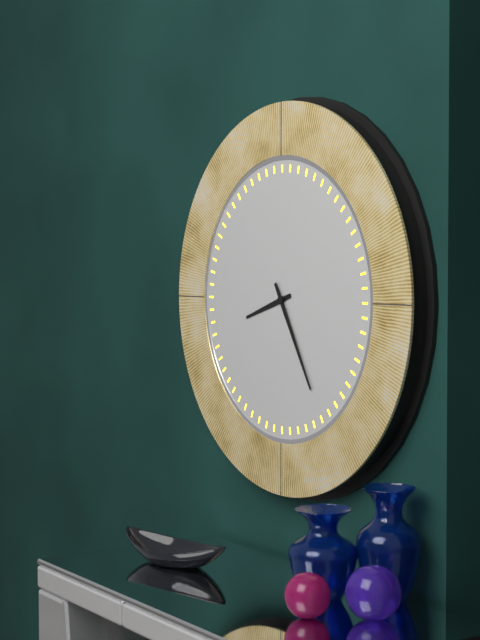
8:25
